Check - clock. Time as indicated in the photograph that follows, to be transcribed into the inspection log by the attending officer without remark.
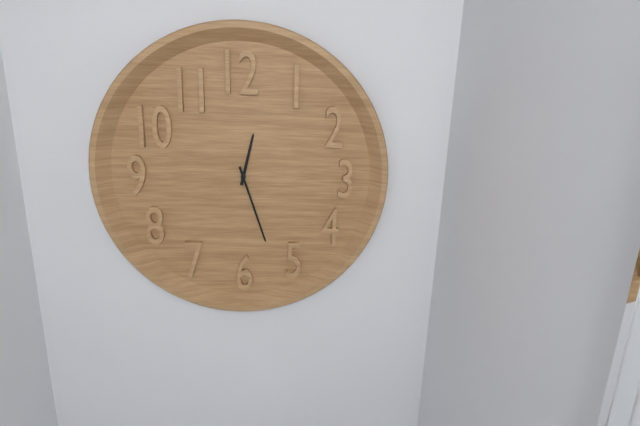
12:27
